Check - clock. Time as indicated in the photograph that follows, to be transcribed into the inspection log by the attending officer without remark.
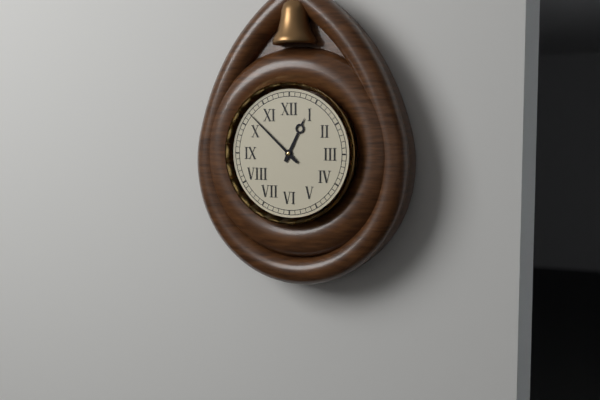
12:52
